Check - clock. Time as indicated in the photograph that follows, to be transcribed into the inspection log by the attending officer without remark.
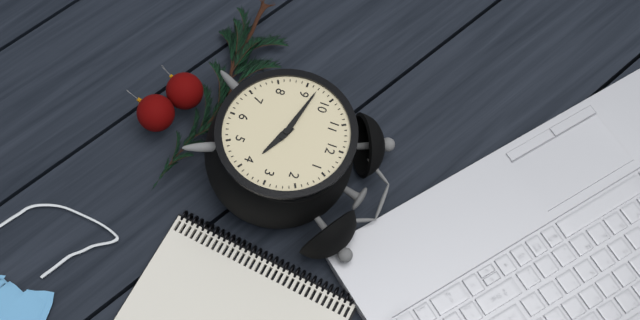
3:47
